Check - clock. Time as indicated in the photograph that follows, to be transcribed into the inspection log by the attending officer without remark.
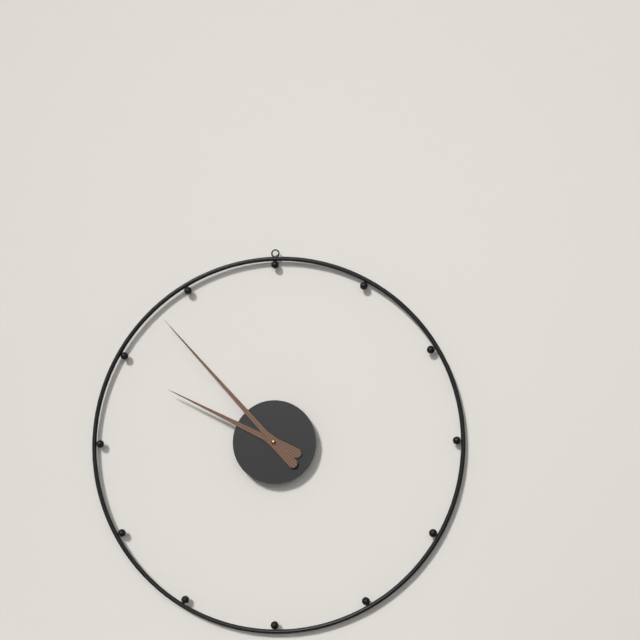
9:53
